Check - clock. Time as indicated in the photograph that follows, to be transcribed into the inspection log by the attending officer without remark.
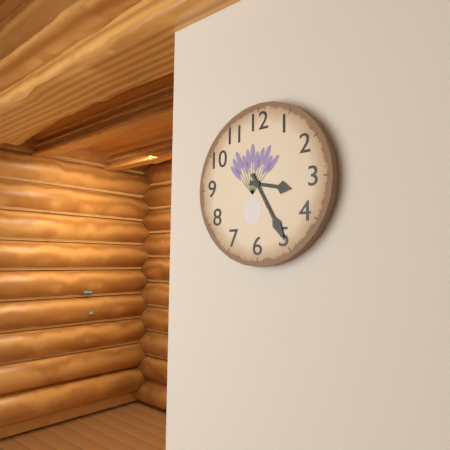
3:25
